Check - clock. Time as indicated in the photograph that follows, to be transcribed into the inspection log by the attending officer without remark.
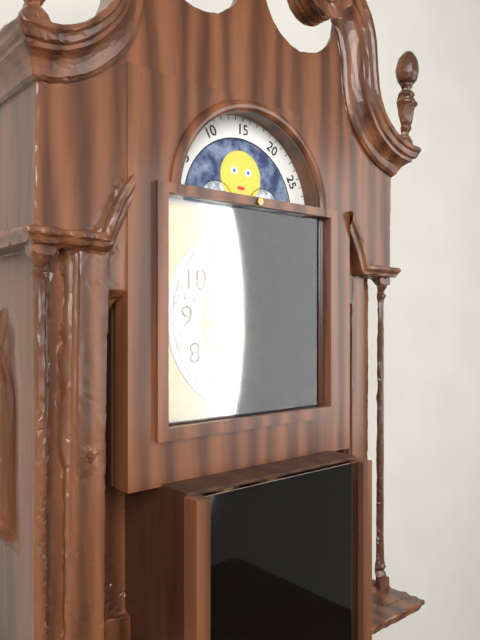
6:32
